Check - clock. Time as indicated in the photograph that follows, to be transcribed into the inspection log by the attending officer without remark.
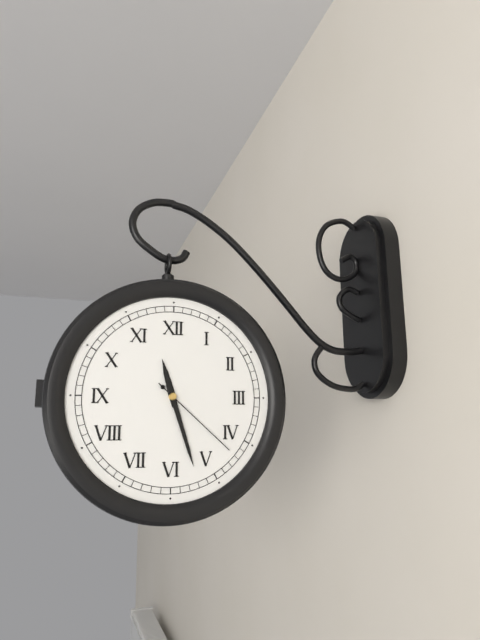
11:27:22
